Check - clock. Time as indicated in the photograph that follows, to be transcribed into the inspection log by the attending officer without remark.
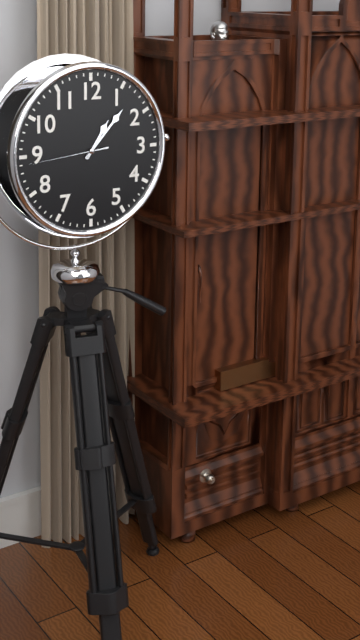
1:07:44
